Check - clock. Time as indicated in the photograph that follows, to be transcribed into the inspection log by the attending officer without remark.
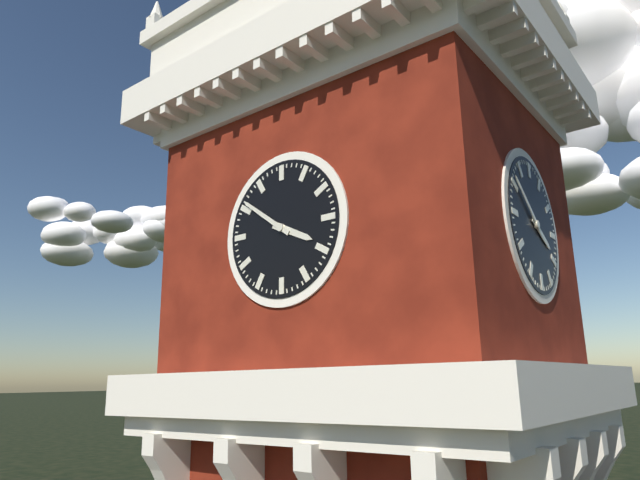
3:51
